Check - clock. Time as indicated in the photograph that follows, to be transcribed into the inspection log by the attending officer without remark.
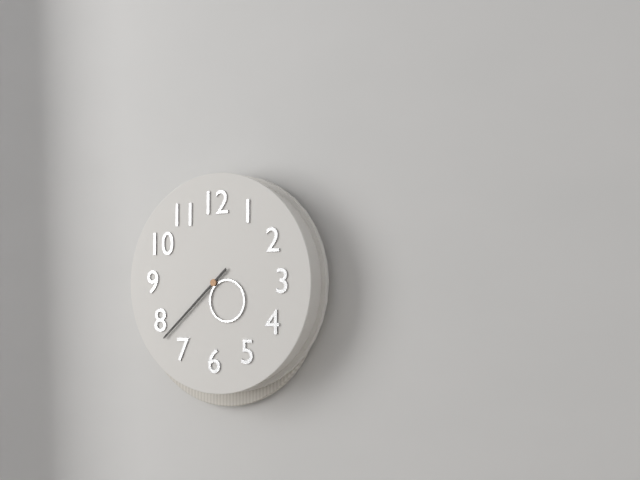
4:38
